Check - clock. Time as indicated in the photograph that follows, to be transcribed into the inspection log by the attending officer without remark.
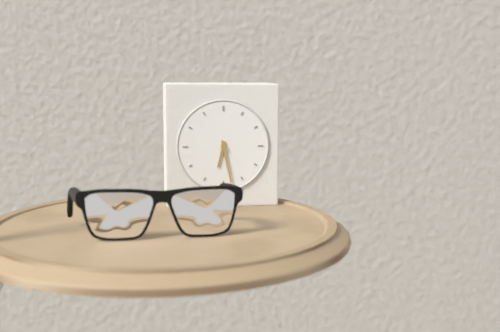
6:28
